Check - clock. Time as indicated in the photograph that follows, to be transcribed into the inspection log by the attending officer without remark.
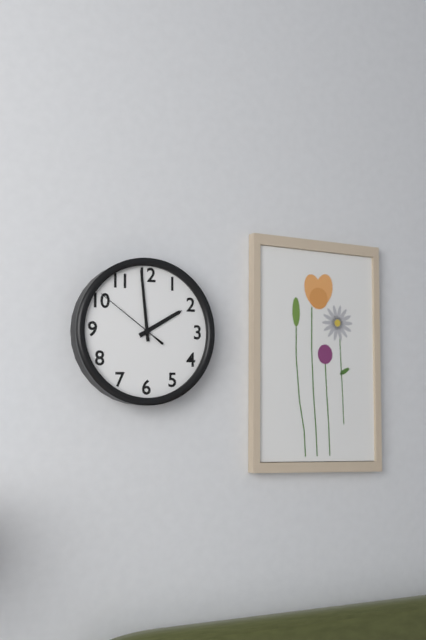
1:59:51
